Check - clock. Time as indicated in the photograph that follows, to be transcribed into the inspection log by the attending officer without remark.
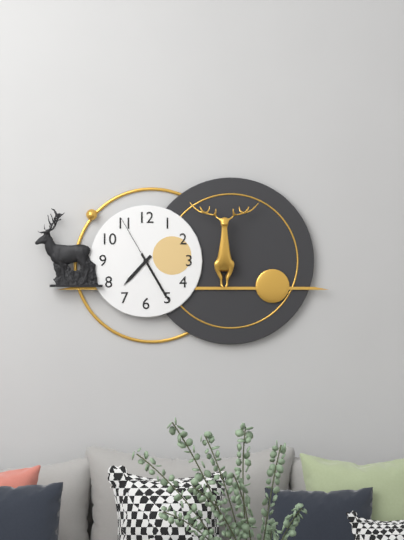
7:25:55
